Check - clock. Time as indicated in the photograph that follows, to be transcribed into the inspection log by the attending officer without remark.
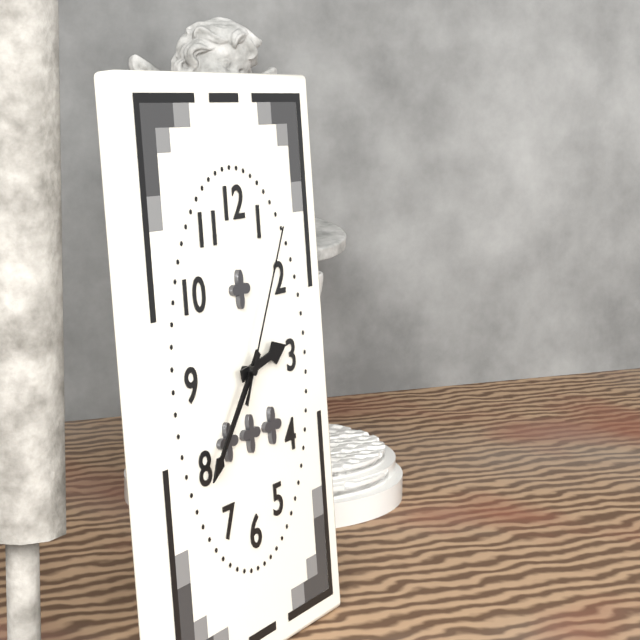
2:37:05
